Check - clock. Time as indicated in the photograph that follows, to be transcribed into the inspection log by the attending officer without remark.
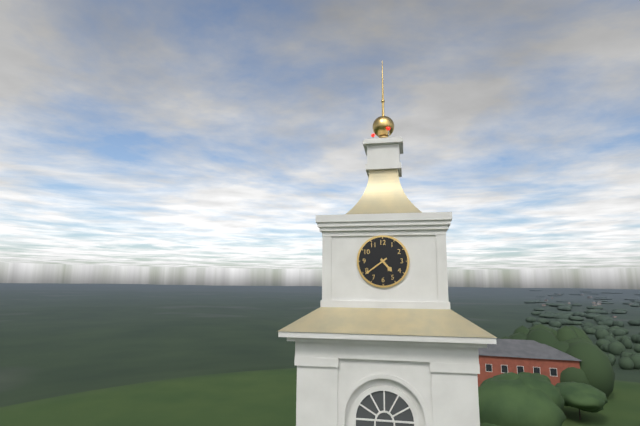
4:39
